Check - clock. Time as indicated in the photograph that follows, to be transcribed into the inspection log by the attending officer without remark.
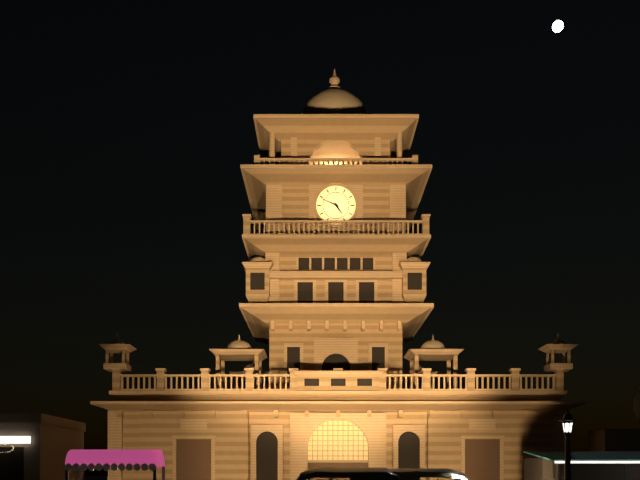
4:49
